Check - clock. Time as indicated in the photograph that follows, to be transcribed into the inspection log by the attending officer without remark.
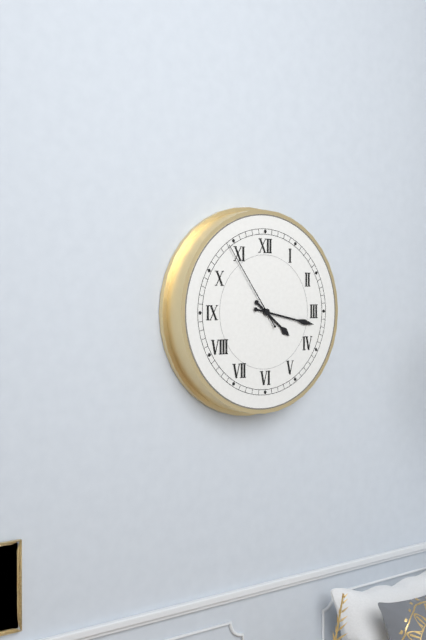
4:17:54
